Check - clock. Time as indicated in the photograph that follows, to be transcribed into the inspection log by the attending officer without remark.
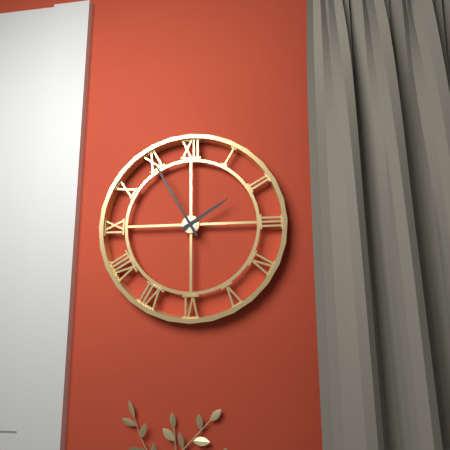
1:55
